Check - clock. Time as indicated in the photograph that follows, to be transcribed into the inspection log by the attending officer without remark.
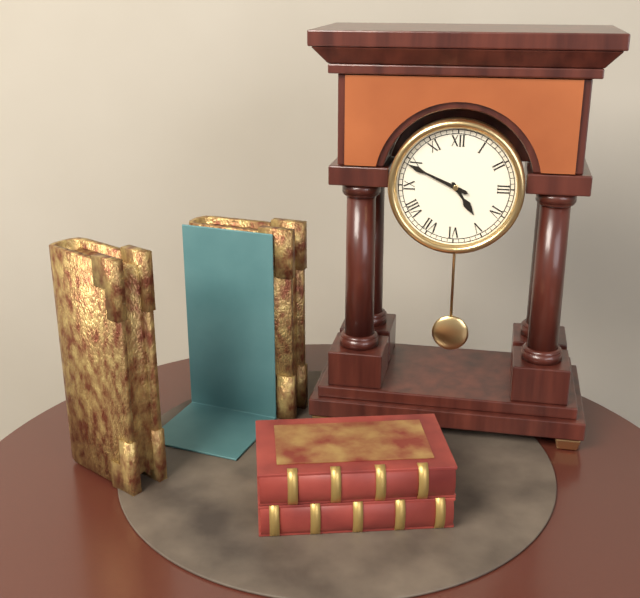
4:49
